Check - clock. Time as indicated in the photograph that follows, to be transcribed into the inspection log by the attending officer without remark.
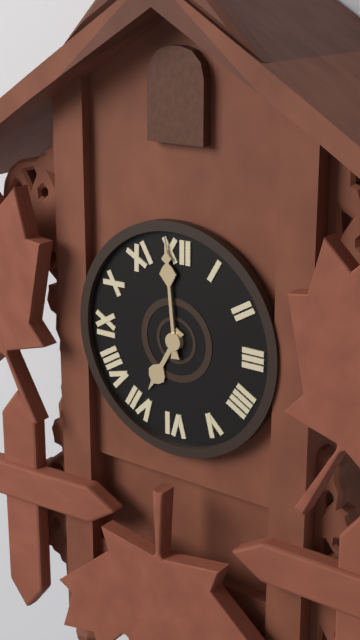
6:59
